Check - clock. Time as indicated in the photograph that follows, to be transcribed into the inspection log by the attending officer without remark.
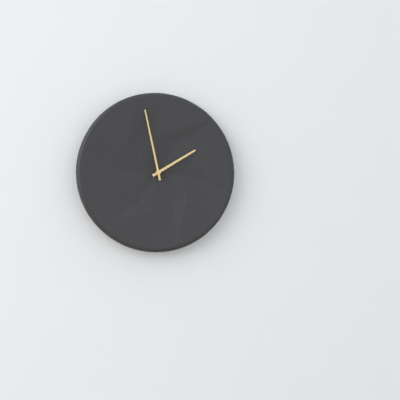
1:58
